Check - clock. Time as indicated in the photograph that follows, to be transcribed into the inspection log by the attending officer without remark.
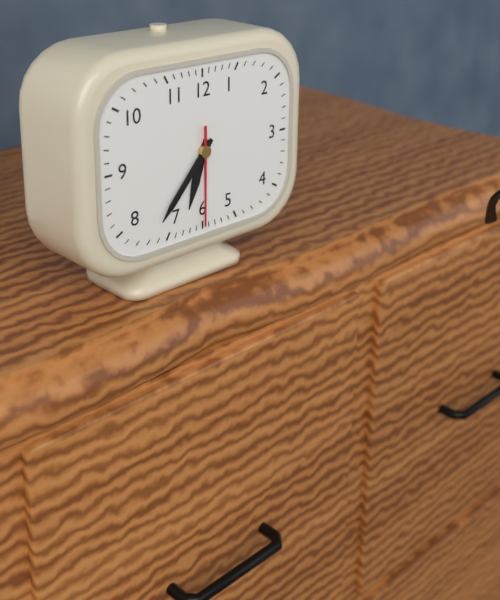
6:37:30
